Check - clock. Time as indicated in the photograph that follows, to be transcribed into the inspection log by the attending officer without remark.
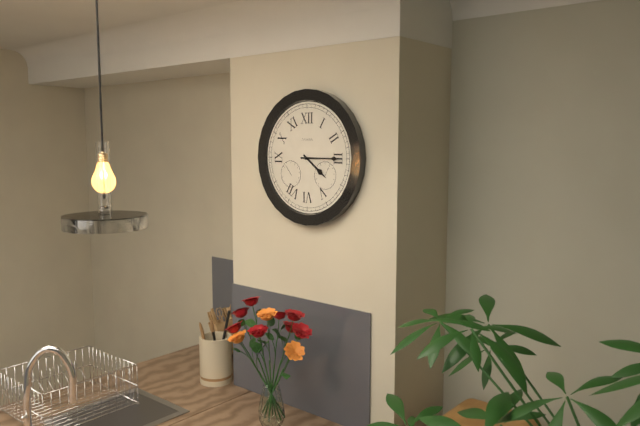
4:15
